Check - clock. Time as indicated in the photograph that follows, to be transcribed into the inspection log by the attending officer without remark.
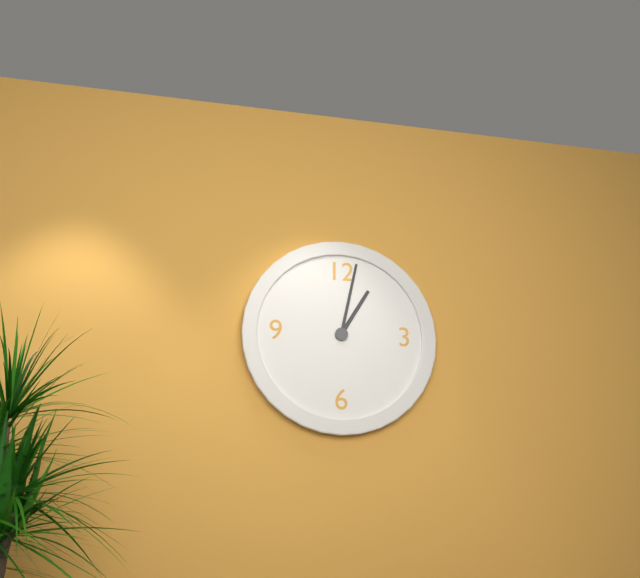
1:02
